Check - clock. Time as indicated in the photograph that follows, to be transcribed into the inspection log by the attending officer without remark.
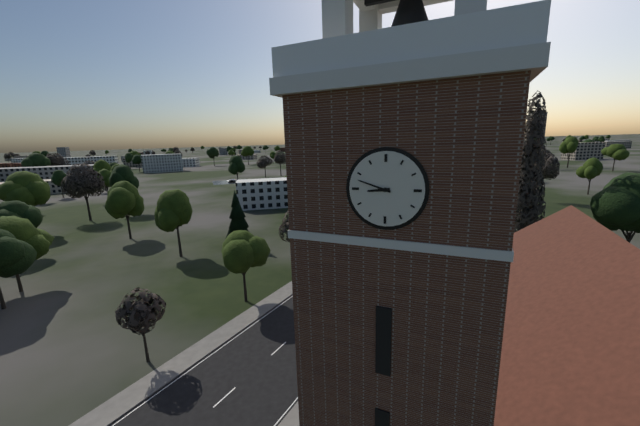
8:48
